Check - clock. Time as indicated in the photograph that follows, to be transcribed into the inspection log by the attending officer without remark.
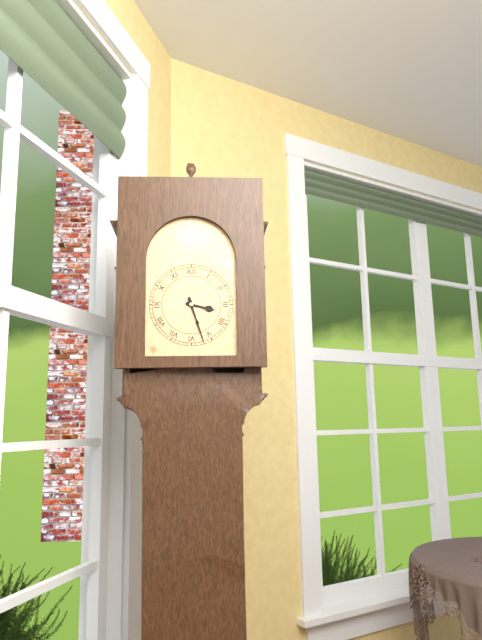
3:27
